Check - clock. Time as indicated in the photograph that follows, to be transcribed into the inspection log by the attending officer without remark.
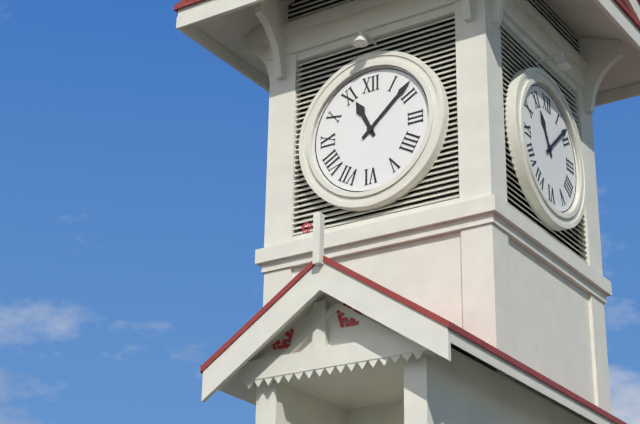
11:08
